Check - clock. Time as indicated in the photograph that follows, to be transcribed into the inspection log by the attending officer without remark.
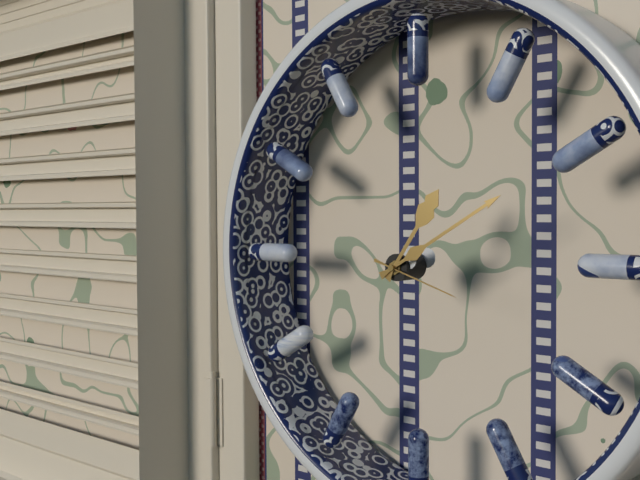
1:10:18
